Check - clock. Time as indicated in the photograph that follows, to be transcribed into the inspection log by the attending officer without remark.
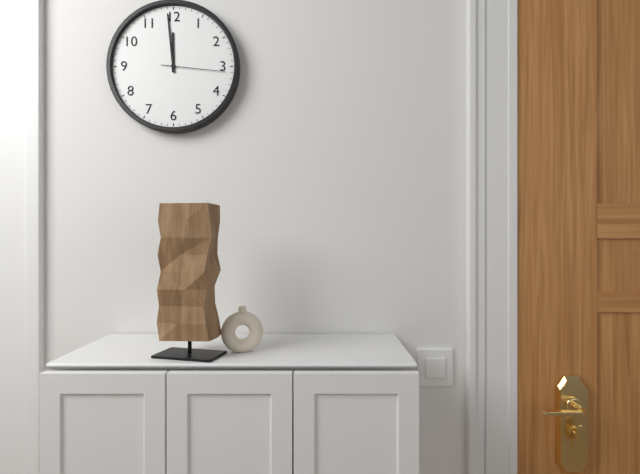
11:59:16
